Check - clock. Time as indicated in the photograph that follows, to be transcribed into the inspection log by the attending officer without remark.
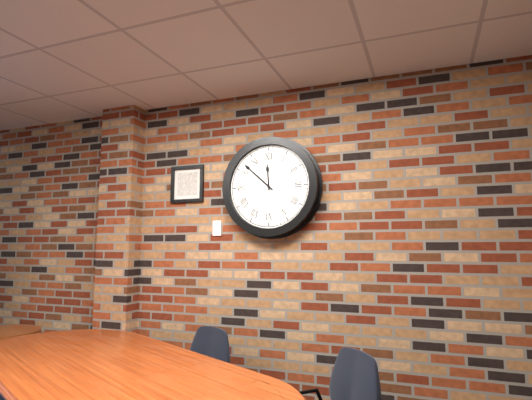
11:52
